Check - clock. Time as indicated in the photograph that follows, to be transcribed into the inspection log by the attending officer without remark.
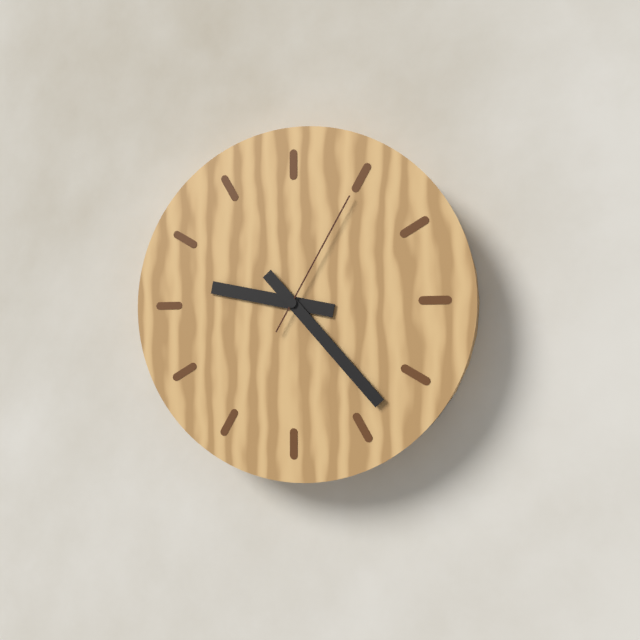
9:23:05
